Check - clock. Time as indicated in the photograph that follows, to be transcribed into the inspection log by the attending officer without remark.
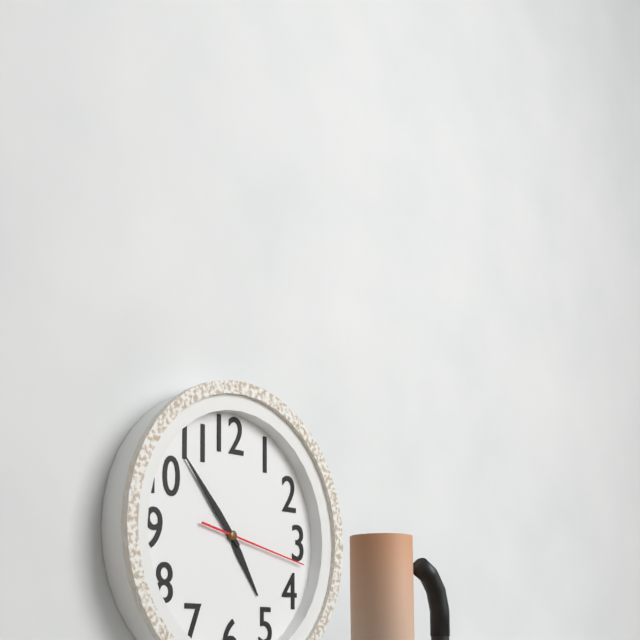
4:53:17
